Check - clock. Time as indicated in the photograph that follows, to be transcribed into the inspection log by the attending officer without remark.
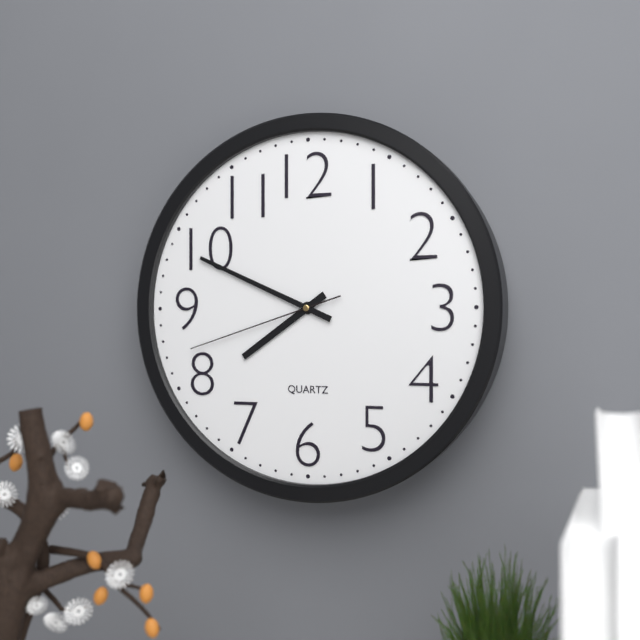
7:49:42
